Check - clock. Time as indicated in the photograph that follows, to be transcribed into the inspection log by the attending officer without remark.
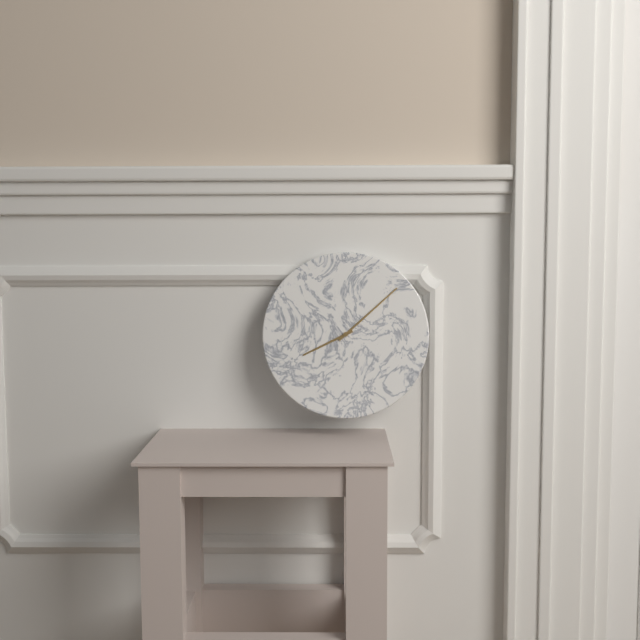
8:08
